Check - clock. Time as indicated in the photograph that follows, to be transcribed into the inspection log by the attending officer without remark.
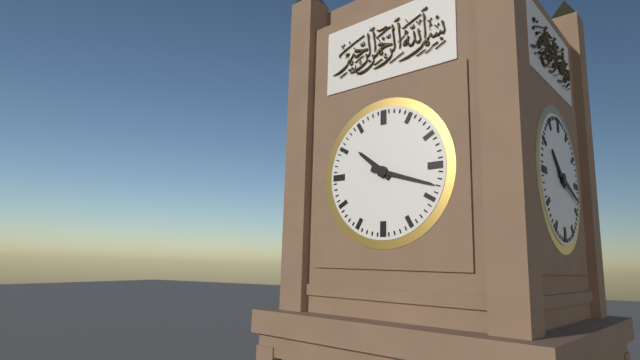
10:18
